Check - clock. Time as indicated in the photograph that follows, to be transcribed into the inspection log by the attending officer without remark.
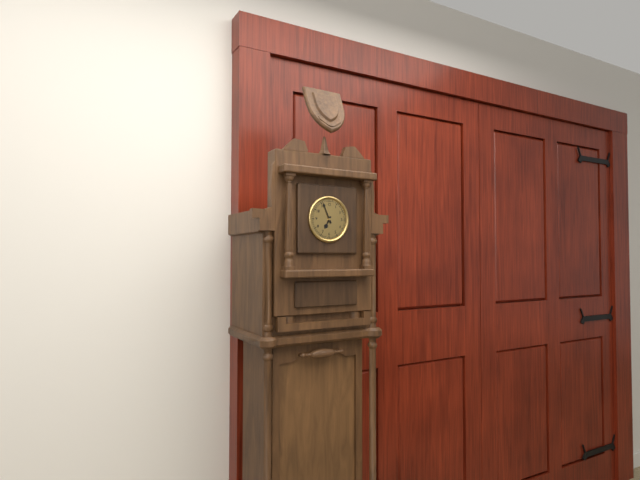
6:56
